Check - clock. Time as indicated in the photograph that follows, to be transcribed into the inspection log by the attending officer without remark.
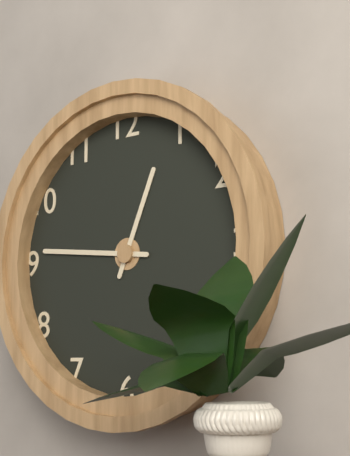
12:46
